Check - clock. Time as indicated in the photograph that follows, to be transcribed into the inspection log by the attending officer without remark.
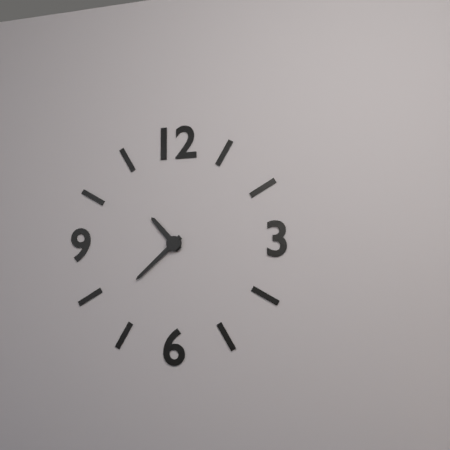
10:38
